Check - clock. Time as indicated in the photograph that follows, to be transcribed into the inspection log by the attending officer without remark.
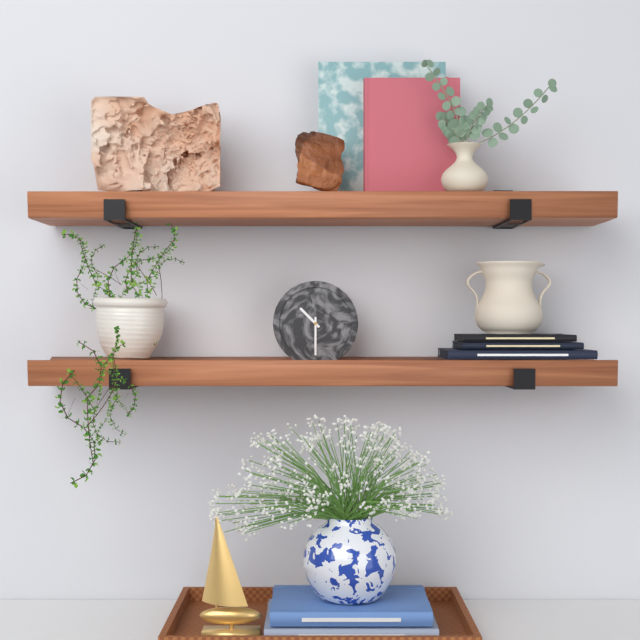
10:30
